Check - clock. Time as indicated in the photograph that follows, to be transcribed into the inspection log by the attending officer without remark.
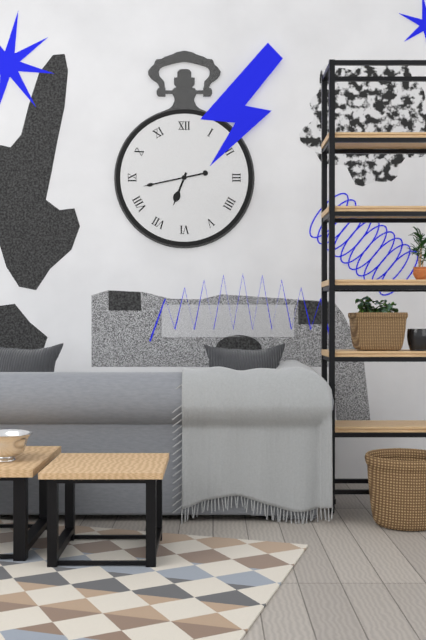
6:43
